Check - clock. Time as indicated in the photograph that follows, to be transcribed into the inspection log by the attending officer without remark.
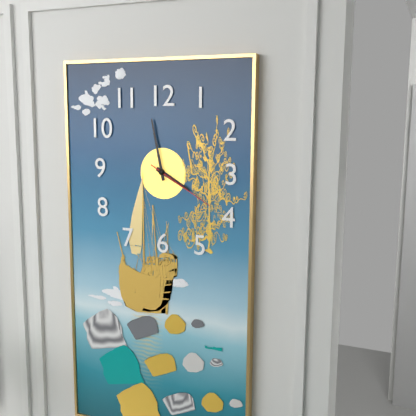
3:58:20
